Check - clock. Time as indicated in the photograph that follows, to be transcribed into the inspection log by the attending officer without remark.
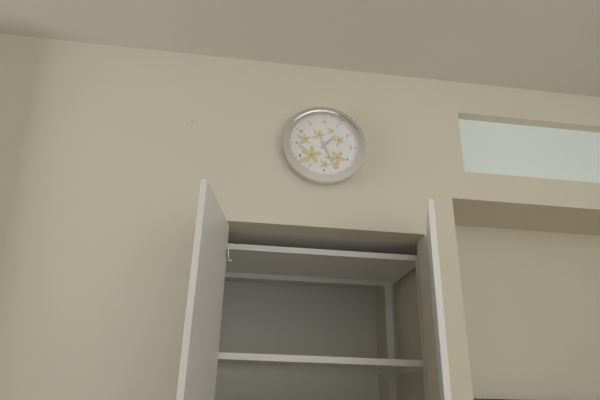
1:26
